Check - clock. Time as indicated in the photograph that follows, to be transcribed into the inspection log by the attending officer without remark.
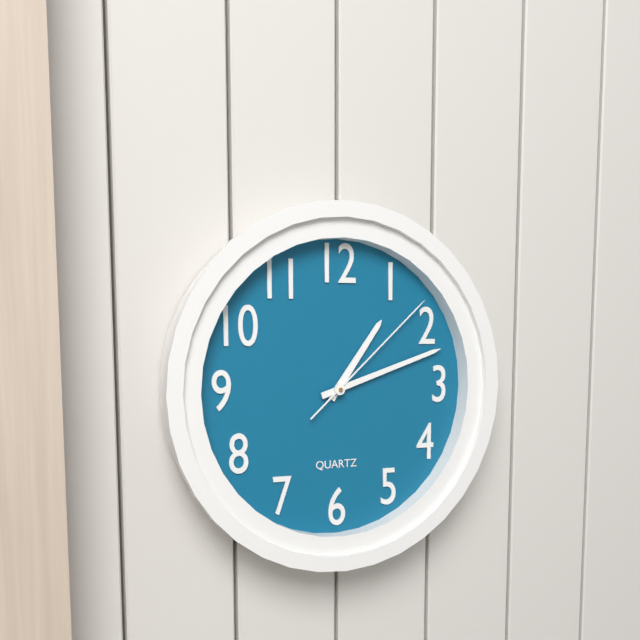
1:12:08
